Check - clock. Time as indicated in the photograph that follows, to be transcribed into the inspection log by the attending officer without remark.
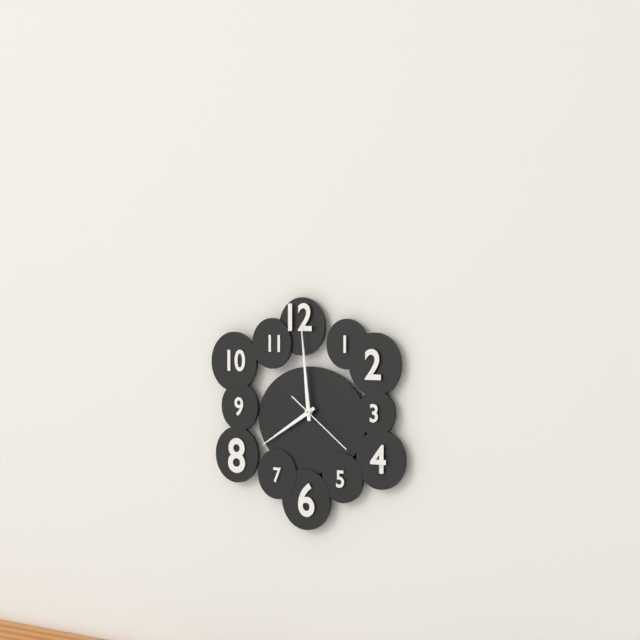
7:59:21
